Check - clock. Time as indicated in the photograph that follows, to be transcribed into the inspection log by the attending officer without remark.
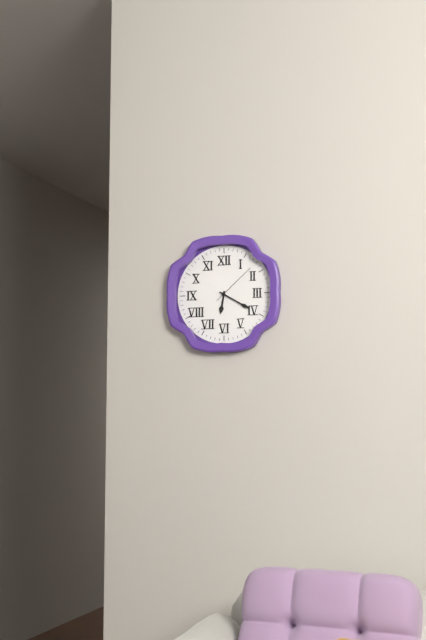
6:20
